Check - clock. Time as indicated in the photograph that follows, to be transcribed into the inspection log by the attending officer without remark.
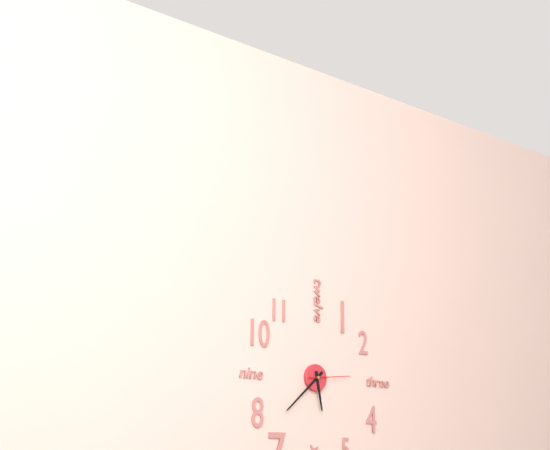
5:38
